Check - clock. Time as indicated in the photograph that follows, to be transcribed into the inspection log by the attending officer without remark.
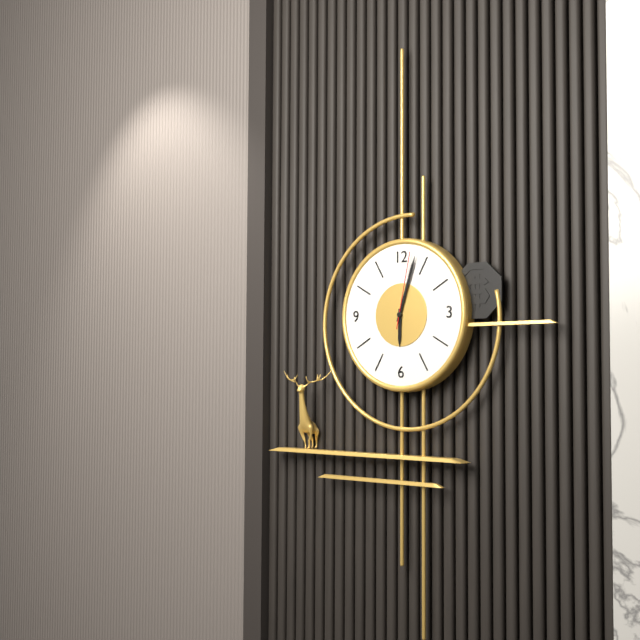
6:03:02
